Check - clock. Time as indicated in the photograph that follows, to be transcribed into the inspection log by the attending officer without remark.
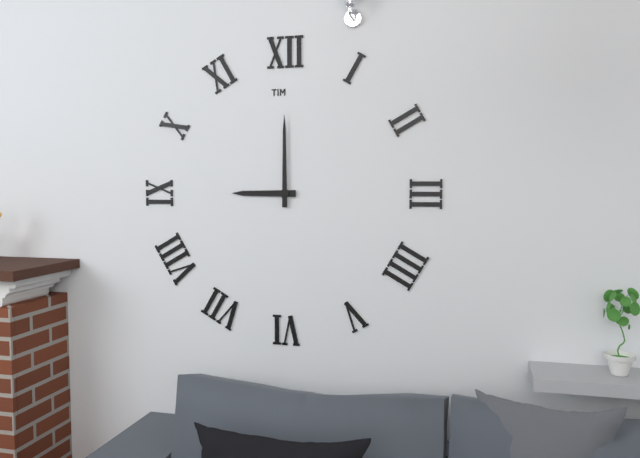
9:00
